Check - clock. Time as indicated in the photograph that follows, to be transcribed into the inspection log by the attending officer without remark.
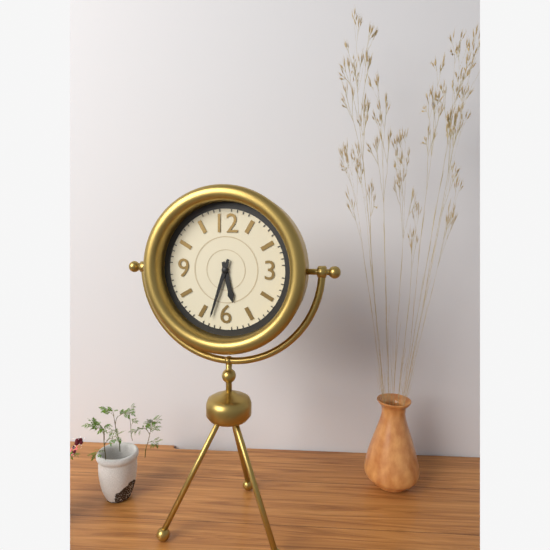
5:33
